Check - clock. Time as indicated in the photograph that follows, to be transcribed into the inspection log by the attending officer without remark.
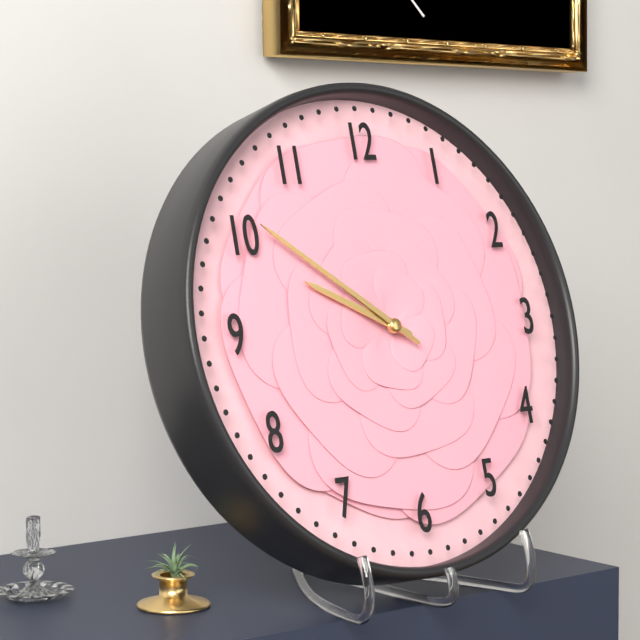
9:51
